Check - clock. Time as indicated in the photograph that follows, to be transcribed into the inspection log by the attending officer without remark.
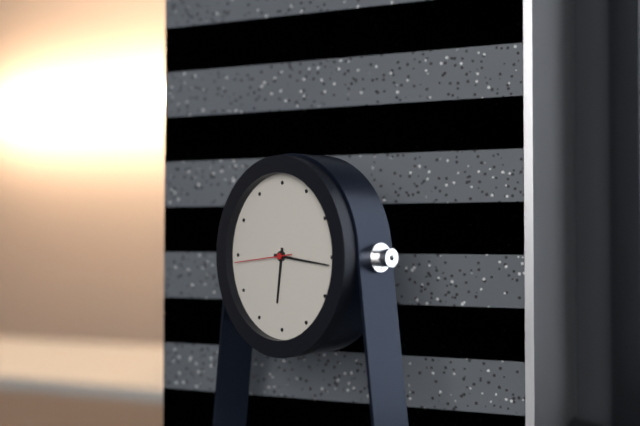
6:16:44
